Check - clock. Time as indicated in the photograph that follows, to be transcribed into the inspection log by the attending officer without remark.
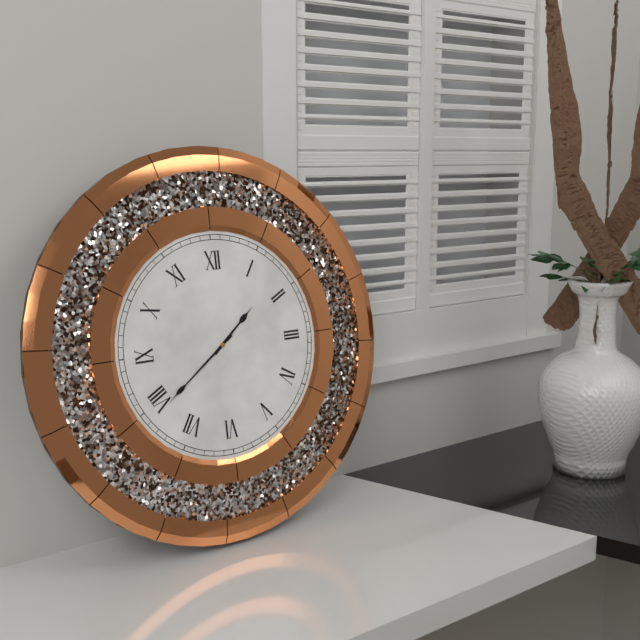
1:39
